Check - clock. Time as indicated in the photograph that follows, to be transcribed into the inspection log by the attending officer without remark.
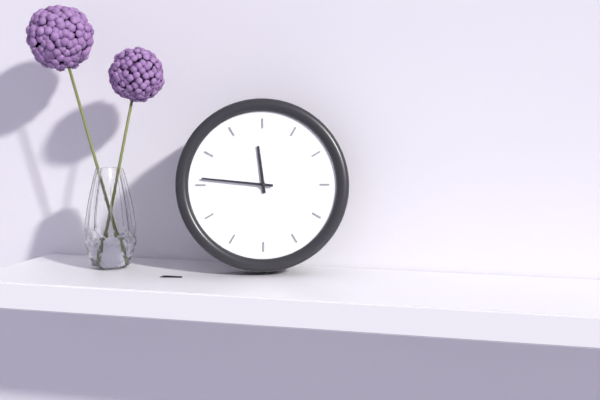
11:46
